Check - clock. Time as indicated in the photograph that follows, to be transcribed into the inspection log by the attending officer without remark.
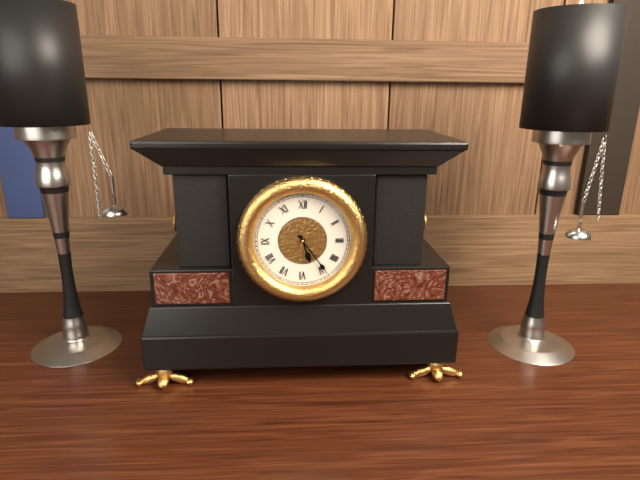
5:24
